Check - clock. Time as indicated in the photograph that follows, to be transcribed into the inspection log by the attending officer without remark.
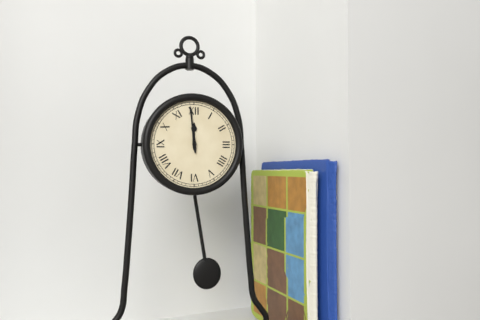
11:59
